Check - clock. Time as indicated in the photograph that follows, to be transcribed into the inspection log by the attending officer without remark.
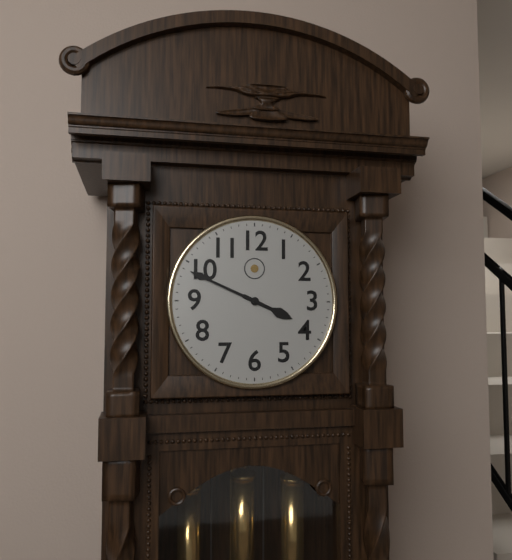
3:49
